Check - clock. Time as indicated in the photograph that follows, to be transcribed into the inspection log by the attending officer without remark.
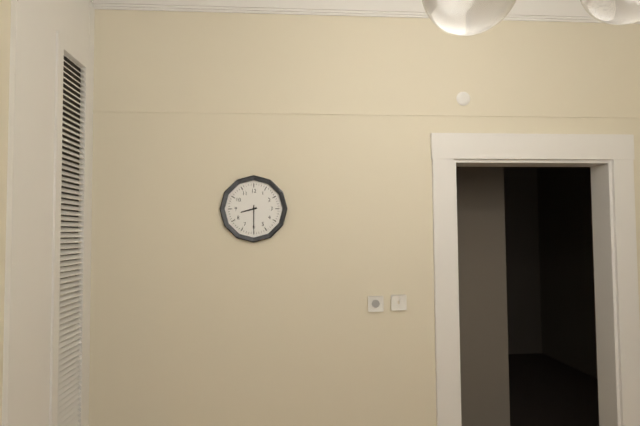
8:30
